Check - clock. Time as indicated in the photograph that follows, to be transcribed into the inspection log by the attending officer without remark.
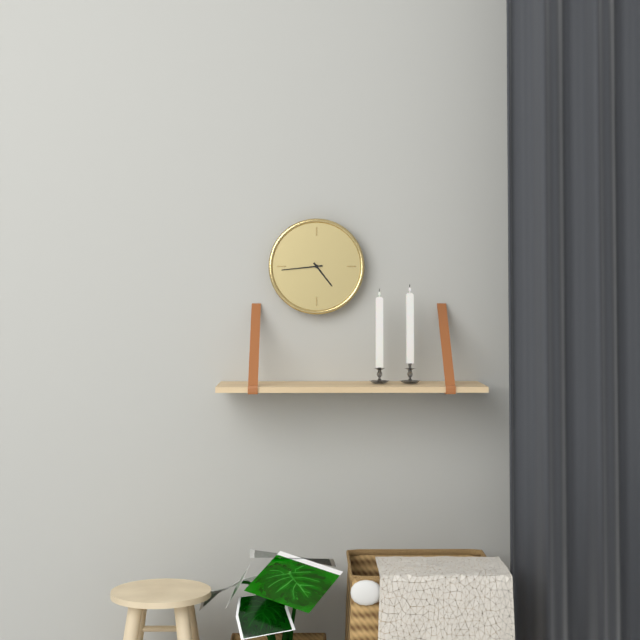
4:44
